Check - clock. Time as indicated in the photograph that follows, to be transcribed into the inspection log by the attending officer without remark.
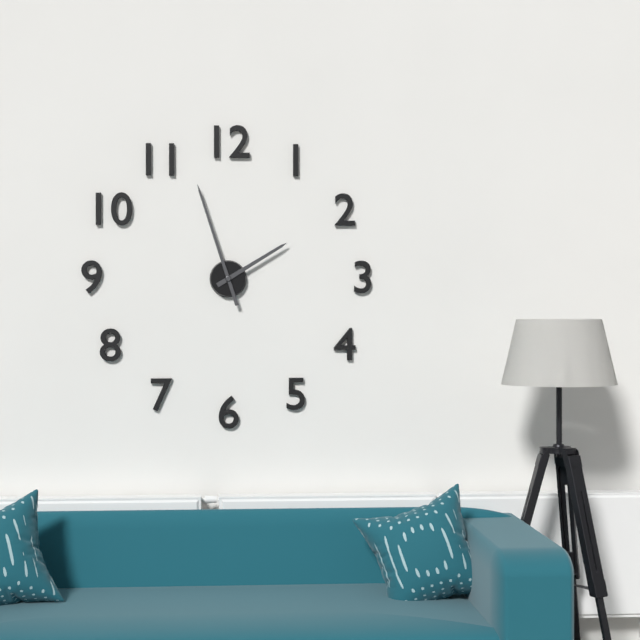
1:57
